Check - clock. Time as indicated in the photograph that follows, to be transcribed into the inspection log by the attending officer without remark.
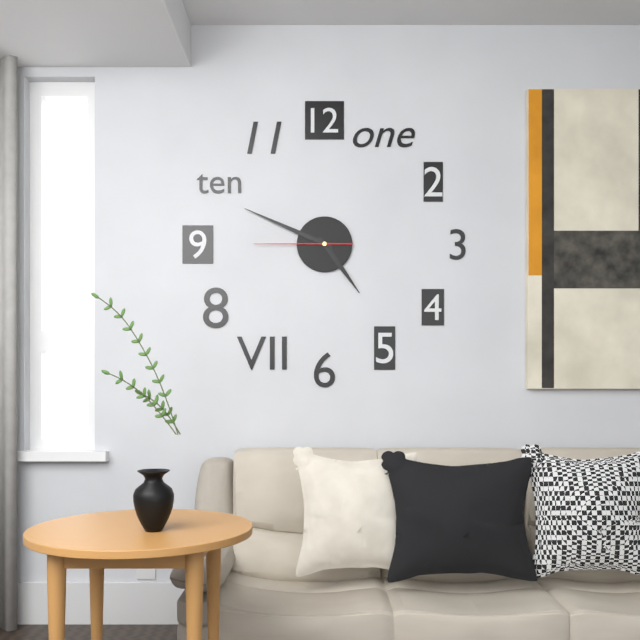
4:49:45
